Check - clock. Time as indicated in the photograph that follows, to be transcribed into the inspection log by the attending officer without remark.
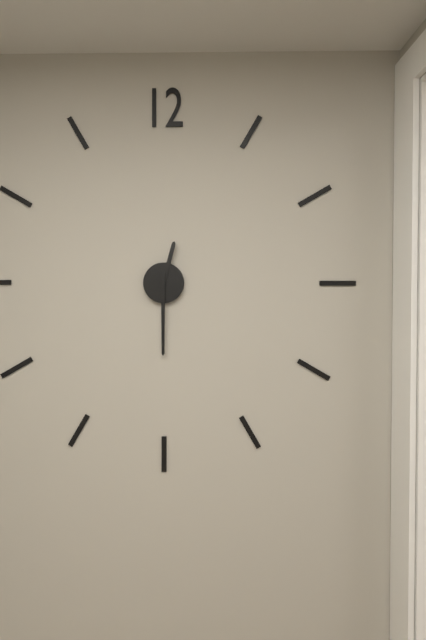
12:30
